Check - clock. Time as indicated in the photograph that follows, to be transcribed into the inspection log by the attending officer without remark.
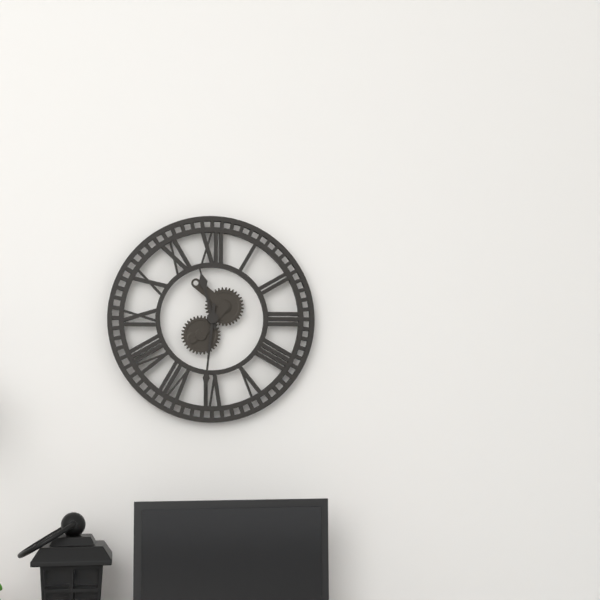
11:31
